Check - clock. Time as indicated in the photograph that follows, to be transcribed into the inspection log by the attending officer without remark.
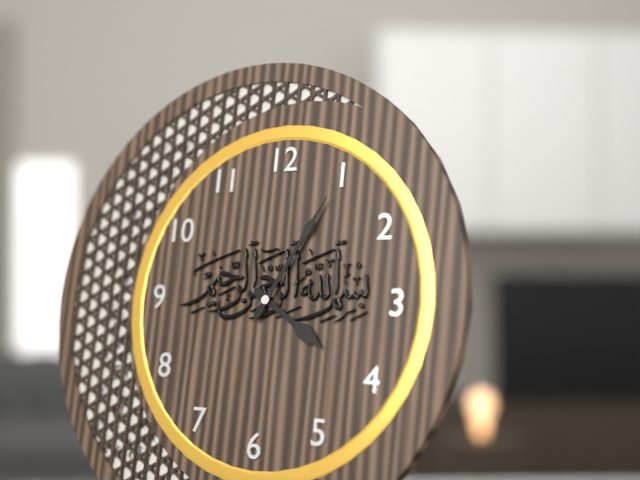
4:05
